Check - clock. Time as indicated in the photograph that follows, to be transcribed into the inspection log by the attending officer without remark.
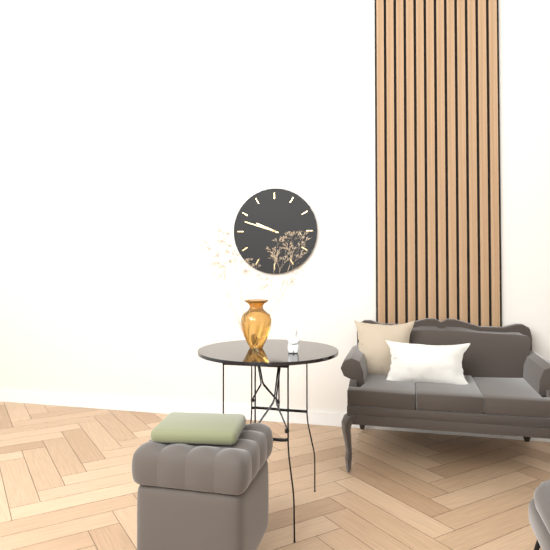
9:48
